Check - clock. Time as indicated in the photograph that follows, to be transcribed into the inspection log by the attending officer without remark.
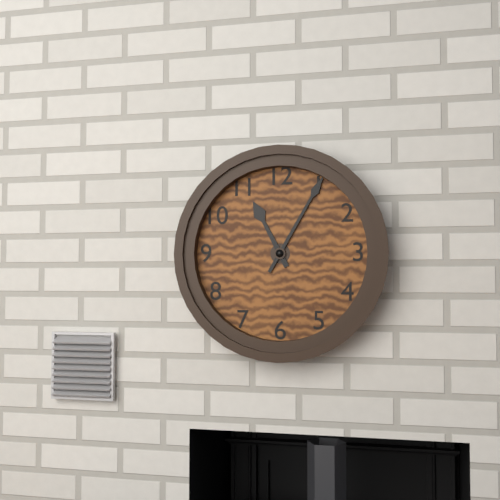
11:05
